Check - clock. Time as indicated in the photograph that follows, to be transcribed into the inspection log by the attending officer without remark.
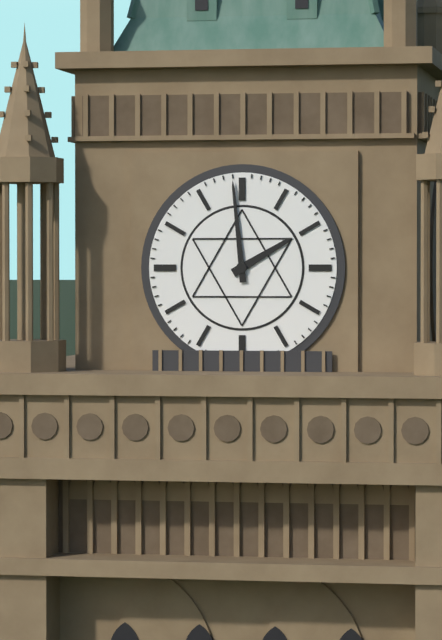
1:59
